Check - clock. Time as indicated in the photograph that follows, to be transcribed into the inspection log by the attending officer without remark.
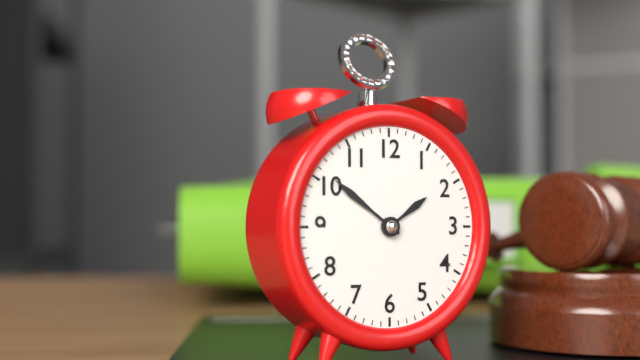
1:51
